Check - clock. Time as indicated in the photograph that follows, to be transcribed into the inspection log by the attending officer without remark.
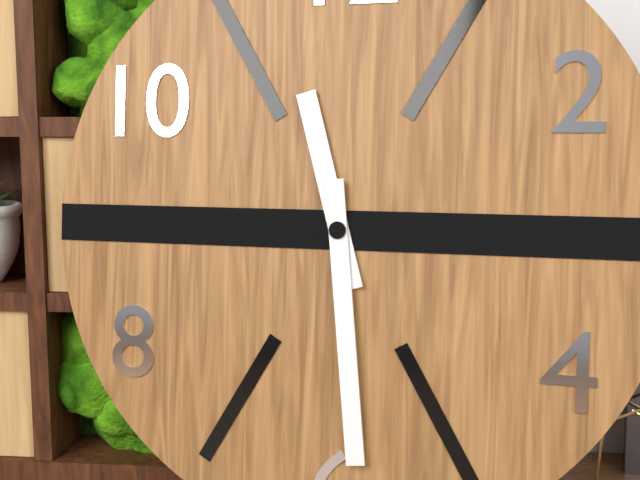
11:29
